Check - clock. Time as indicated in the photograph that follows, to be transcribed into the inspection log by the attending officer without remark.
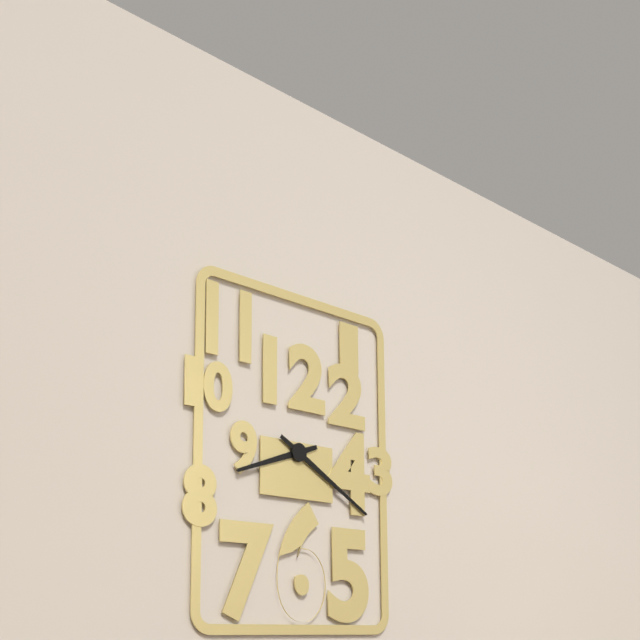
8:20
